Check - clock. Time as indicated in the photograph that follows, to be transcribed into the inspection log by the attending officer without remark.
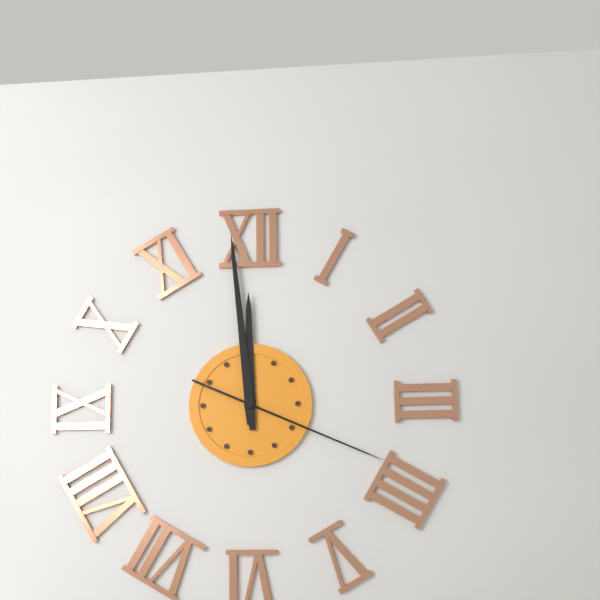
11:59:19
